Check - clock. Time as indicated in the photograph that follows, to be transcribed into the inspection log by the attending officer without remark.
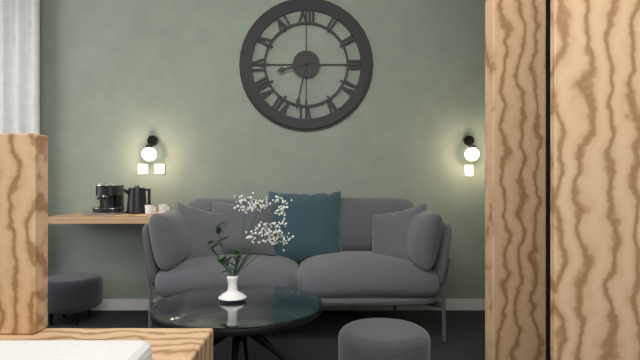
8:32
